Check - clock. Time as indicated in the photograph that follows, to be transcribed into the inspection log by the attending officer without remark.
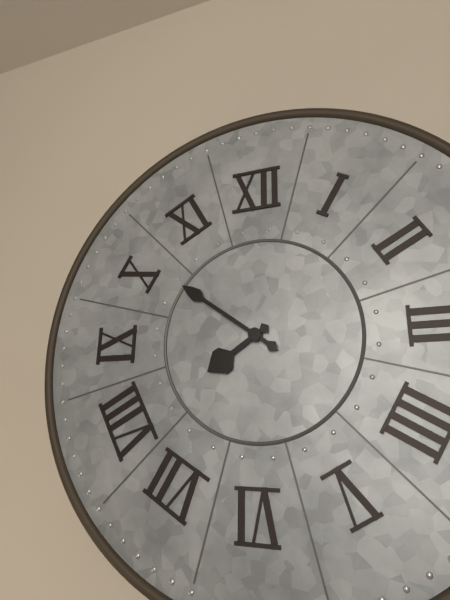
7:51
